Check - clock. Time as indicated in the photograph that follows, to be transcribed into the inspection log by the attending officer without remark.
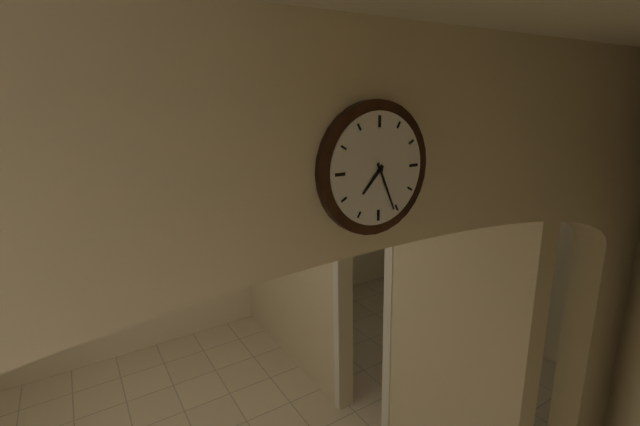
7:26
